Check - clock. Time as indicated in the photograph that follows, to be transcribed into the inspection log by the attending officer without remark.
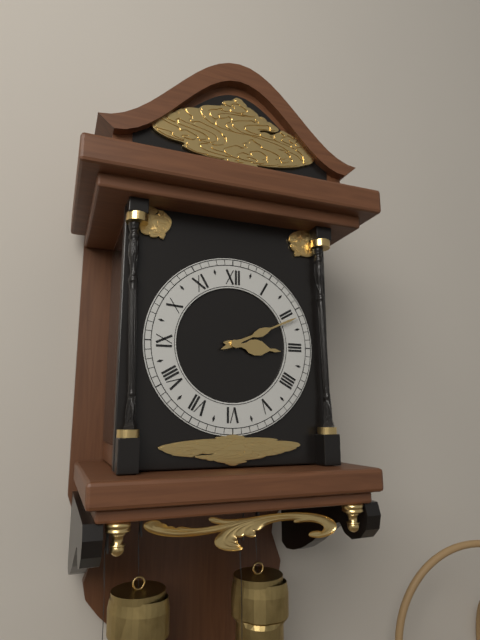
3:11
